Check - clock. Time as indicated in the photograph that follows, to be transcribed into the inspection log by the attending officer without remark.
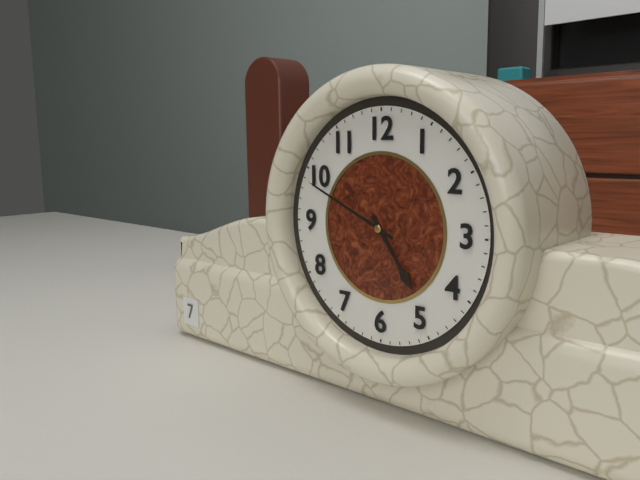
4:49
